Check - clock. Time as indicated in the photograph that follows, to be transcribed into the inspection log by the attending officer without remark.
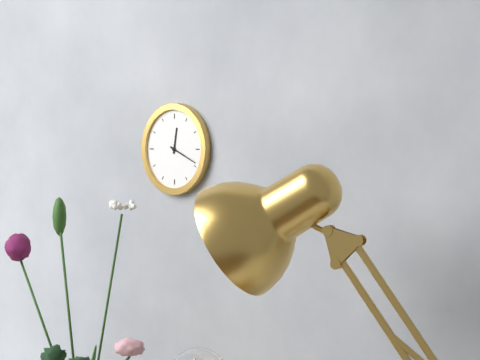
12:19
